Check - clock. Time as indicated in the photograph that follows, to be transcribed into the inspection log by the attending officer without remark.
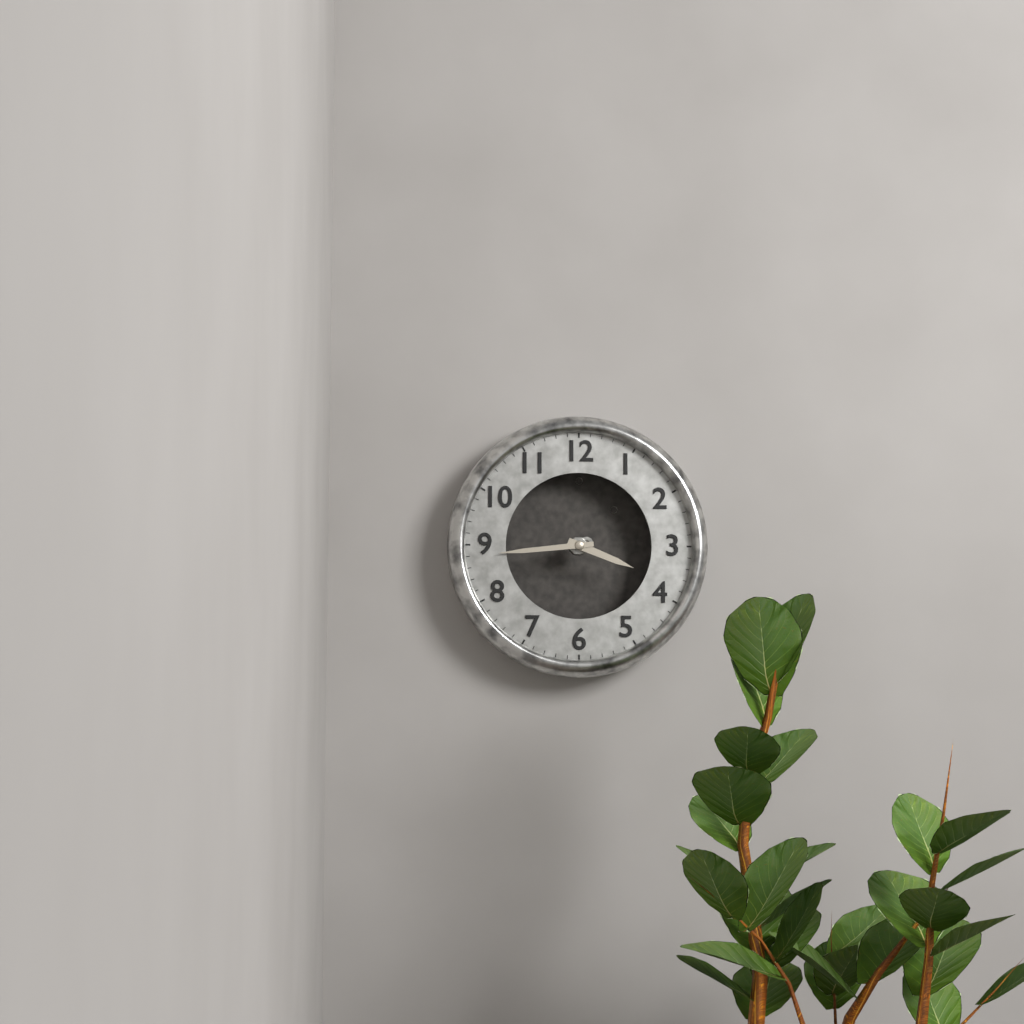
3:44
